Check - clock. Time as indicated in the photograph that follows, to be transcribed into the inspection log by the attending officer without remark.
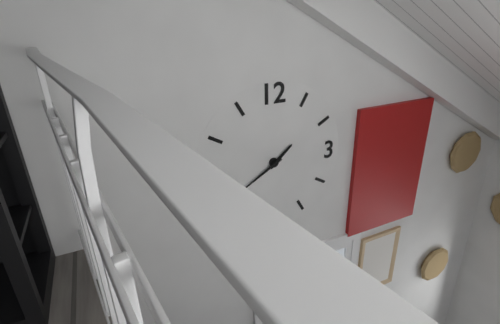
1:40
